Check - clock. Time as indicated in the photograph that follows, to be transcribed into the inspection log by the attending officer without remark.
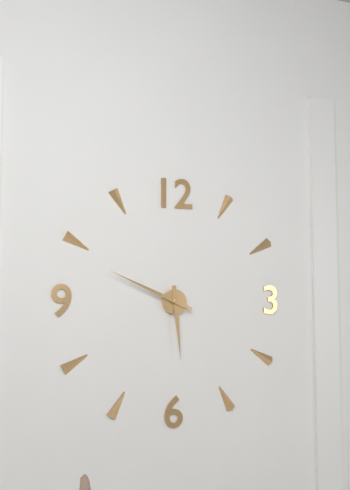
5:49
